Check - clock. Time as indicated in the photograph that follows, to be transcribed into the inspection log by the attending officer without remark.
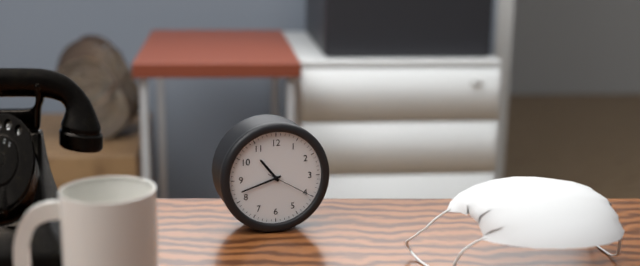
10:42
